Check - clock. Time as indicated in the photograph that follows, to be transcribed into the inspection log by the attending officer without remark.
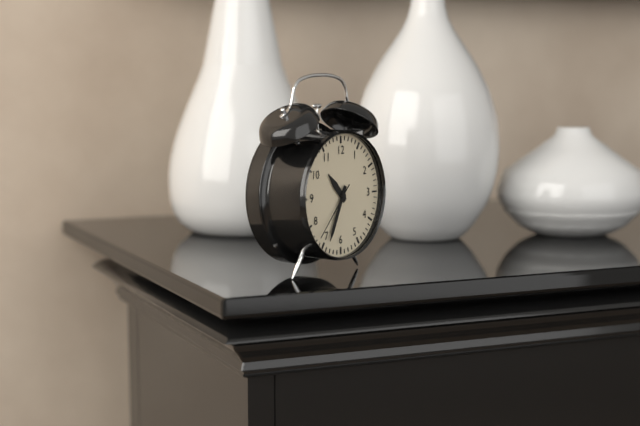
10:34:37
